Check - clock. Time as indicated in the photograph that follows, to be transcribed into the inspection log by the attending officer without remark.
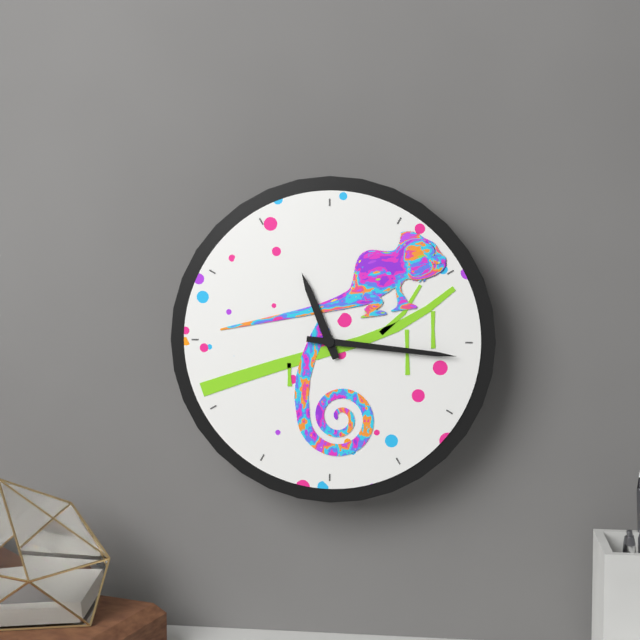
11:16
